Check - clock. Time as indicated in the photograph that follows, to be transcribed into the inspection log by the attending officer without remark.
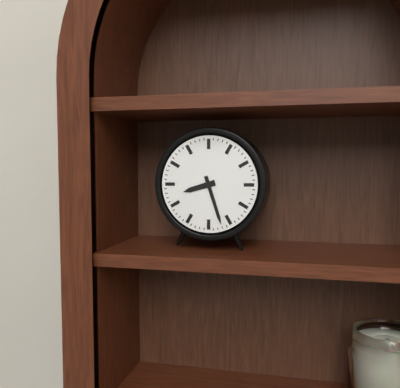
8:27
